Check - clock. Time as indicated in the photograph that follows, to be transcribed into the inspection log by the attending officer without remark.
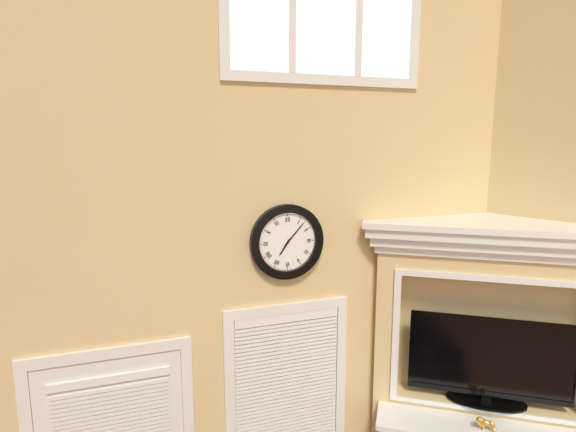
7:07
